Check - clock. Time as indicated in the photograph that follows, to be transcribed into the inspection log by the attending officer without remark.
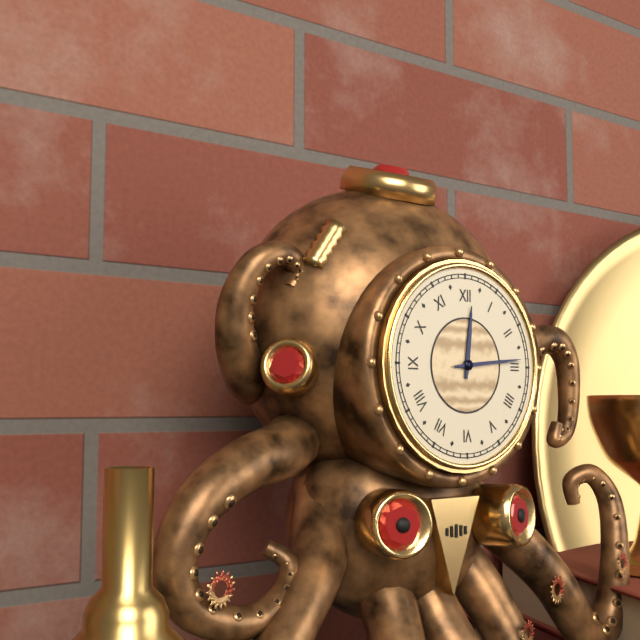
12:14
